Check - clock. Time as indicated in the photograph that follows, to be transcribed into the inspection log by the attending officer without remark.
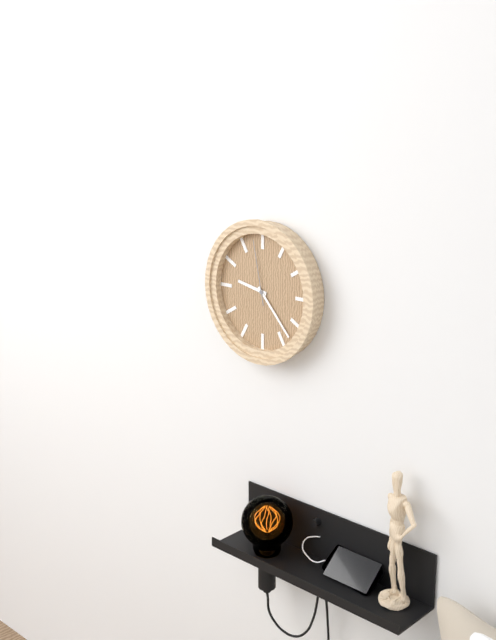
9:23:58
